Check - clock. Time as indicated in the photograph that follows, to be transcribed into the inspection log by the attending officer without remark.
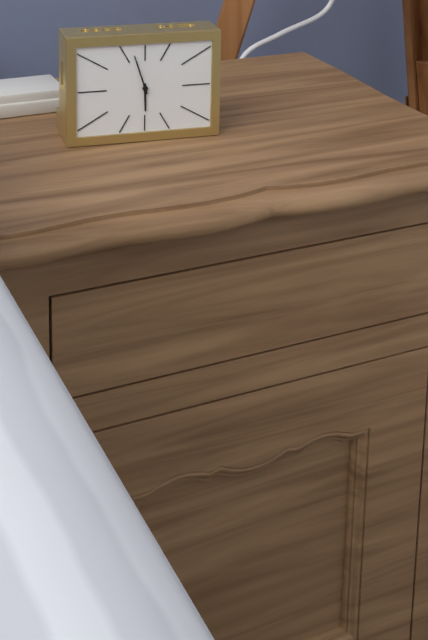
5:57
